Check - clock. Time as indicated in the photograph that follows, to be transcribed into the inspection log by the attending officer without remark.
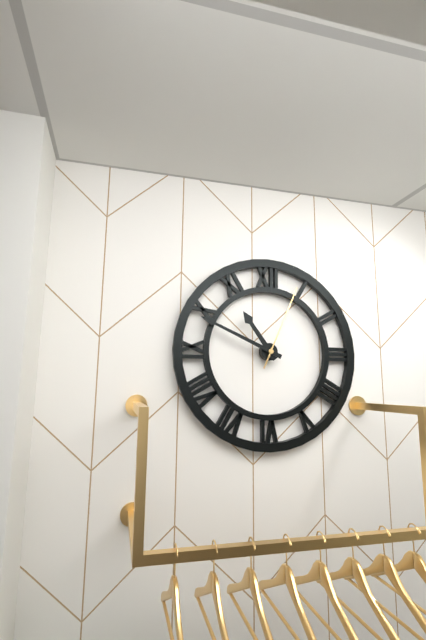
10:49:04
